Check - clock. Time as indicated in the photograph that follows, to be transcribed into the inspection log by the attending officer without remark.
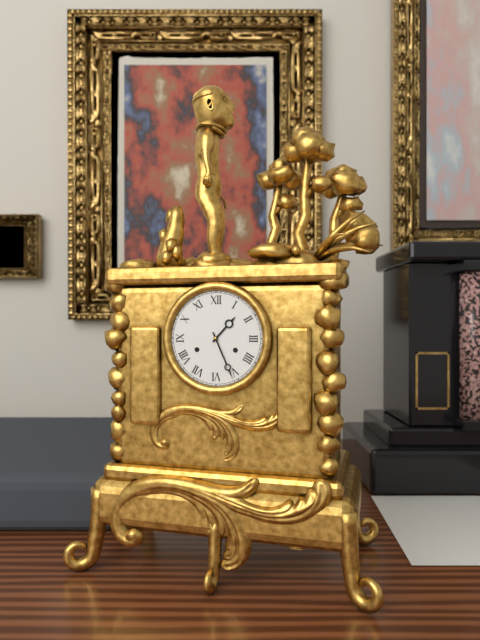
1:26
